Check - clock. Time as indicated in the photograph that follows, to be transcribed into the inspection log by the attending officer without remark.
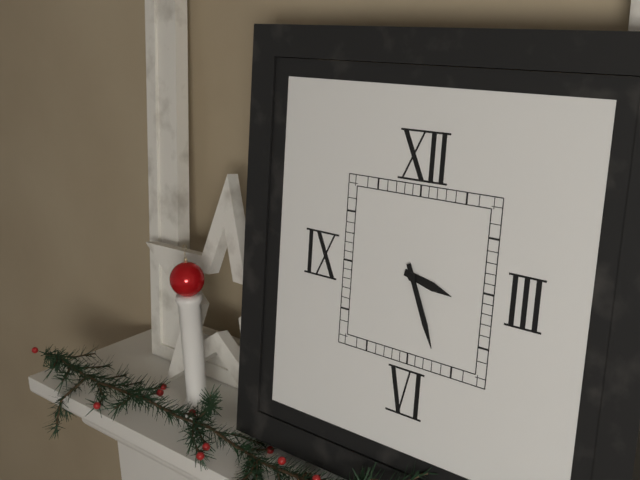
3:26
